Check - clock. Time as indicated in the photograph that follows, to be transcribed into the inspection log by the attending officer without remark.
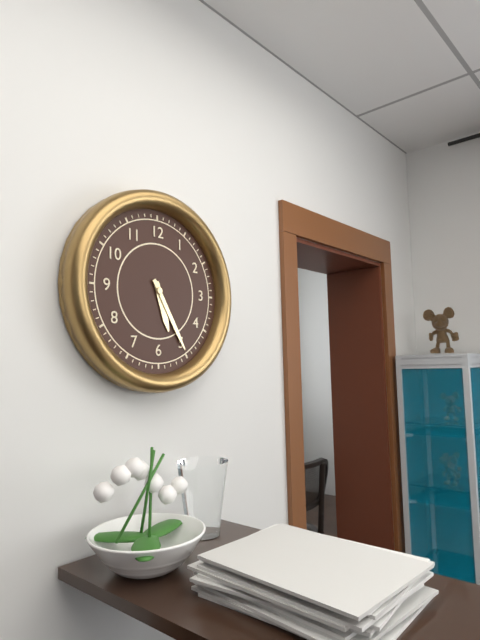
5:25
